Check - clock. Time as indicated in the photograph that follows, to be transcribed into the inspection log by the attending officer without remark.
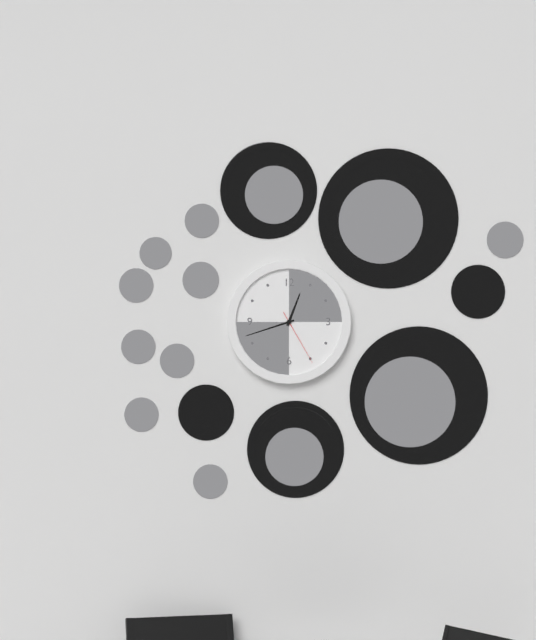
12:42:25
